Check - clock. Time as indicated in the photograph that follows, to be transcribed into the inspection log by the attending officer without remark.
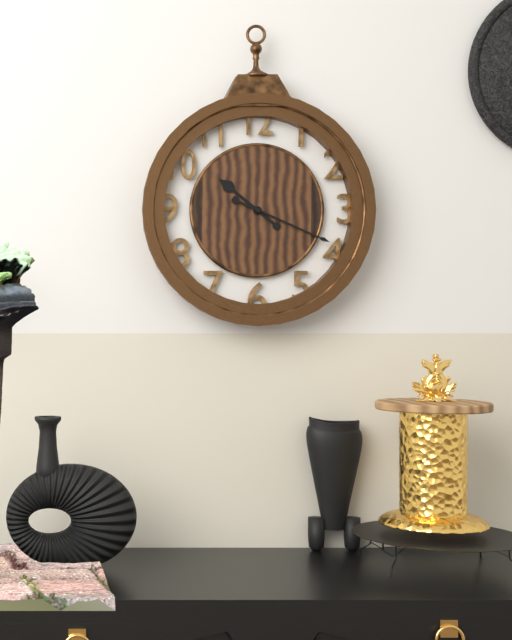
10:19
